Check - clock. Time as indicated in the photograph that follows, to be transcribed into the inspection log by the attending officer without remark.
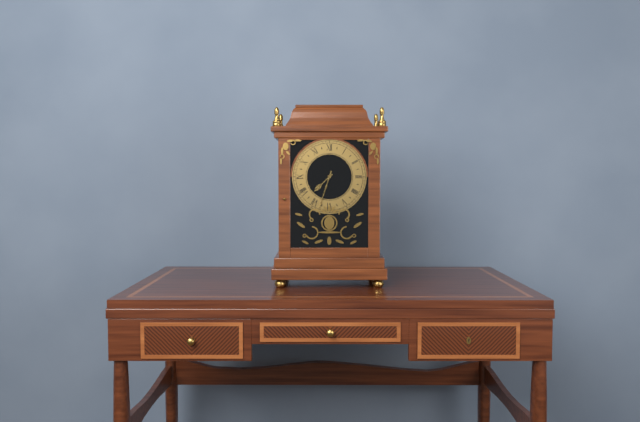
7:33
